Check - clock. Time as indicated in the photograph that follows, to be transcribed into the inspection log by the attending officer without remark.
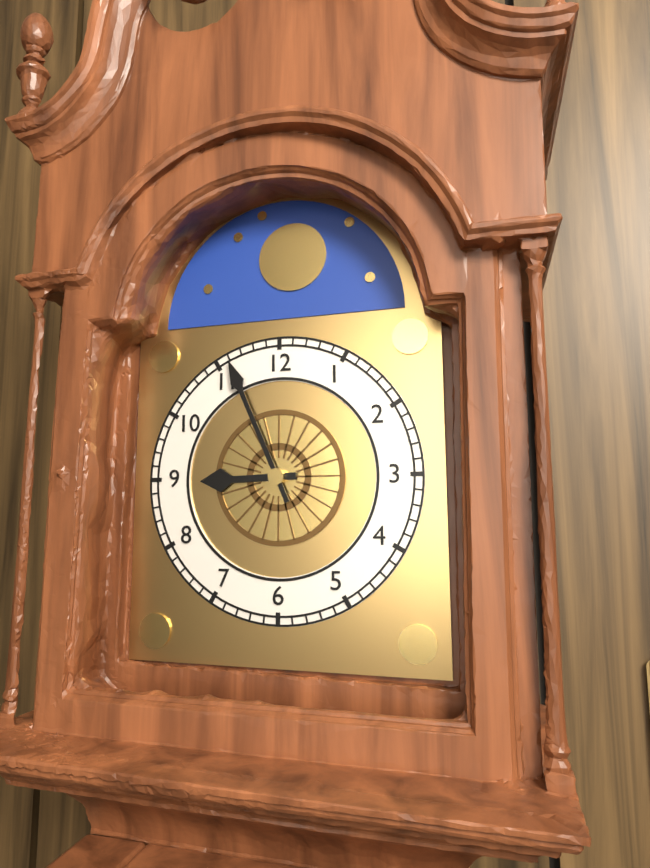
8:56
